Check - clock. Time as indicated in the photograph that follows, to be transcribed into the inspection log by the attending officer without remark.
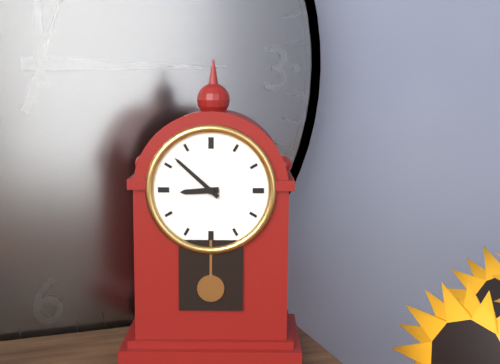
8:52
